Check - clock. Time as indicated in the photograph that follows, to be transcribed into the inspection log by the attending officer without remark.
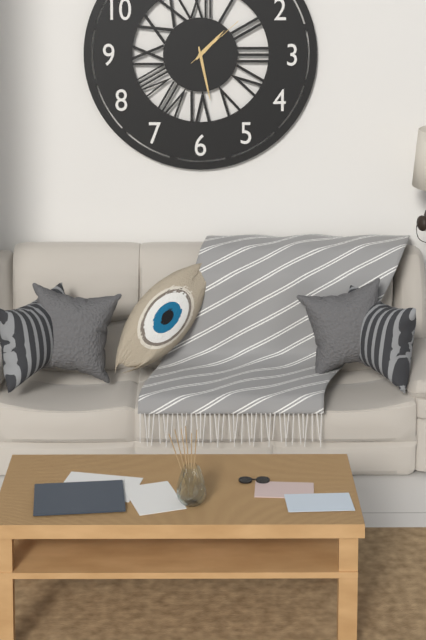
1:28:08
